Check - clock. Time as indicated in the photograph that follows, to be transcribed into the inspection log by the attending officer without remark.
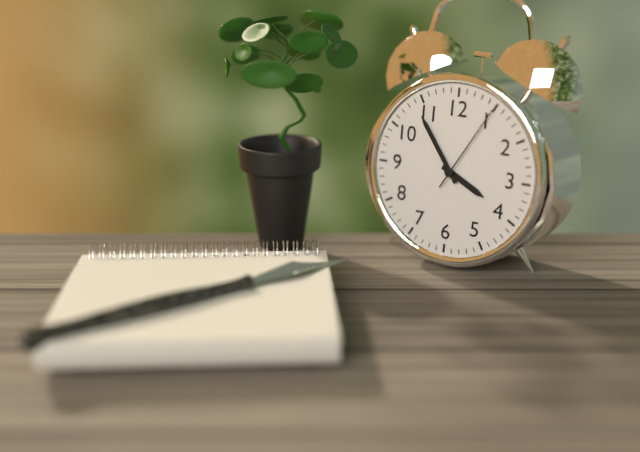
3:54:05
